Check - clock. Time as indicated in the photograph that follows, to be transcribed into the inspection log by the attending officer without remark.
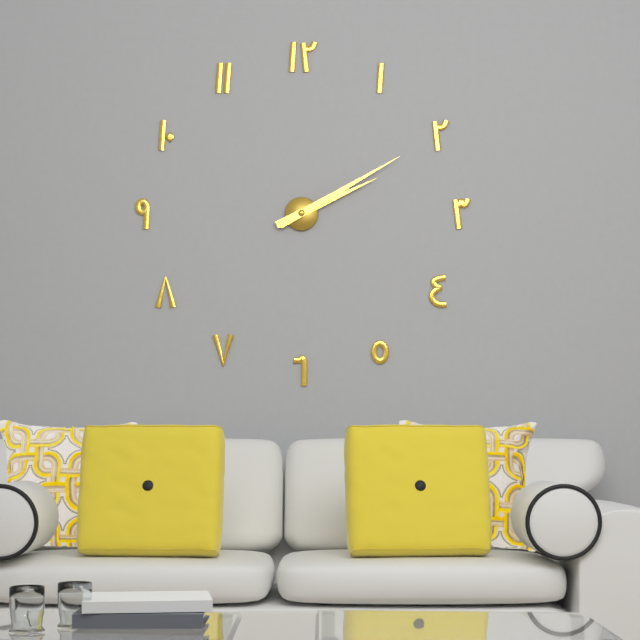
2:10
